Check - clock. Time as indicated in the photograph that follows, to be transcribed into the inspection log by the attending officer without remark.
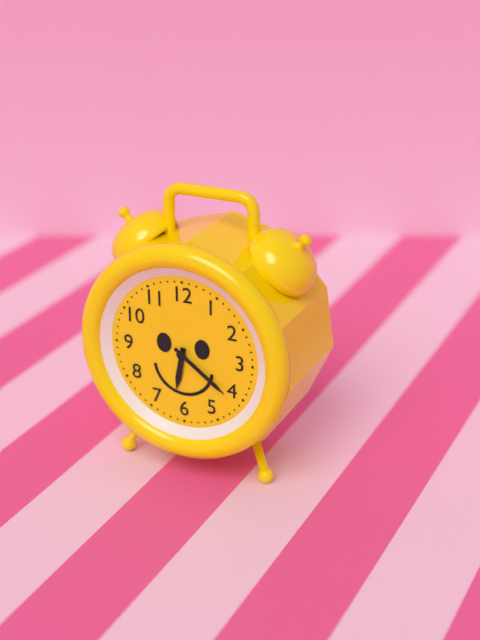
6:21
